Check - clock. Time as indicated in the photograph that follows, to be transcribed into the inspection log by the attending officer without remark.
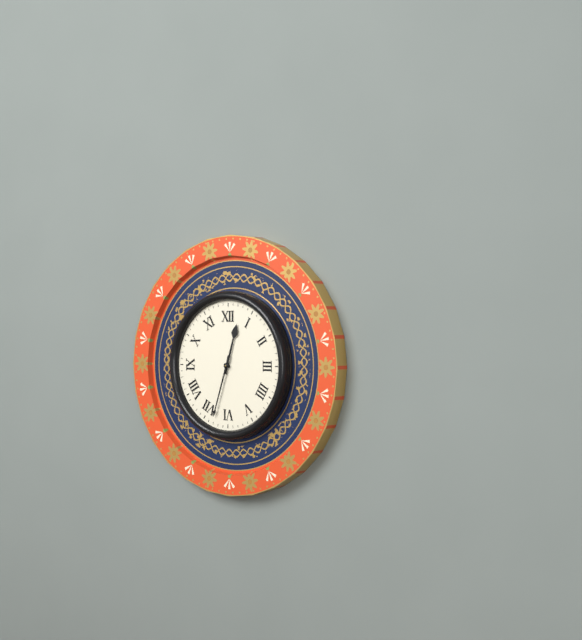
12:33
